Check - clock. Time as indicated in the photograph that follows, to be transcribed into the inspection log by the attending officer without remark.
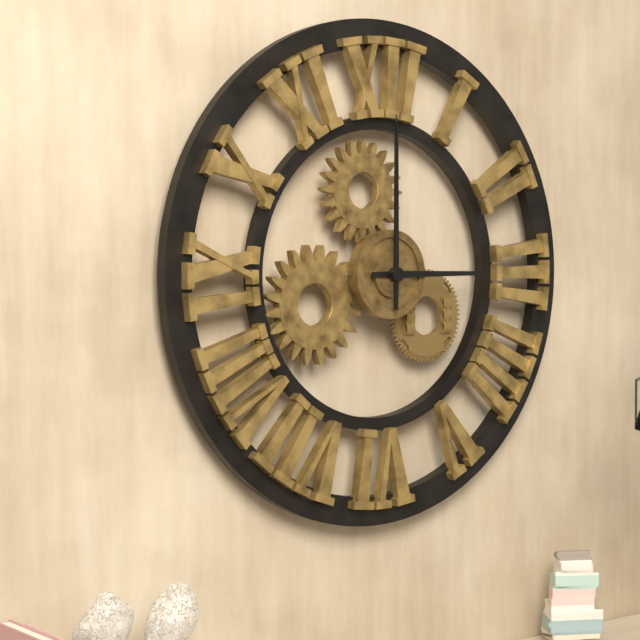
3:00
